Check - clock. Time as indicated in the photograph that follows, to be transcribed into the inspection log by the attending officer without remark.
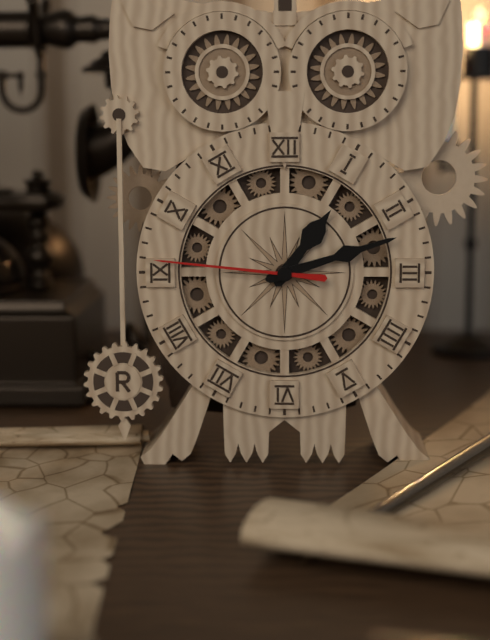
1:12:46
